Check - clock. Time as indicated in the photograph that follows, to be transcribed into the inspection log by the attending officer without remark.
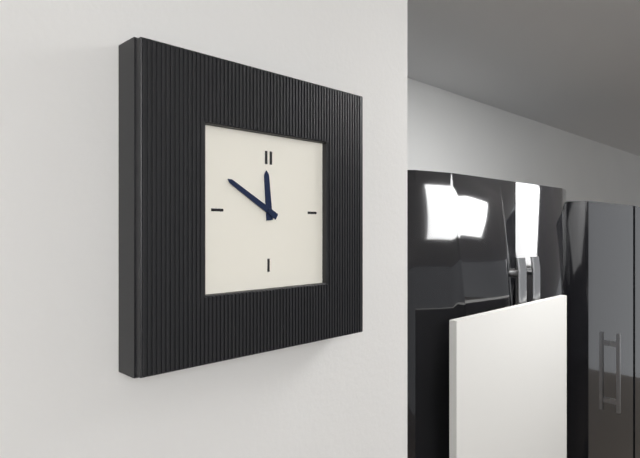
11:50
